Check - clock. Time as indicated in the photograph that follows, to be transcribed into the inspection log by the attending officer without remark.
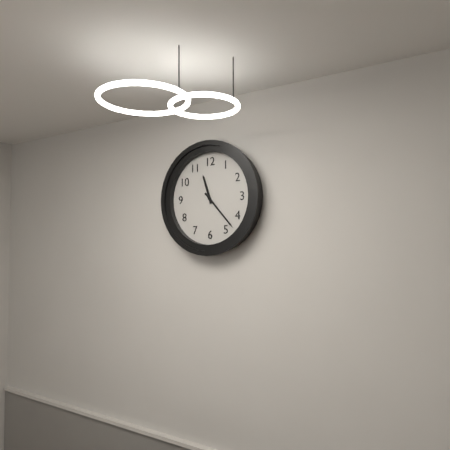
11:23
